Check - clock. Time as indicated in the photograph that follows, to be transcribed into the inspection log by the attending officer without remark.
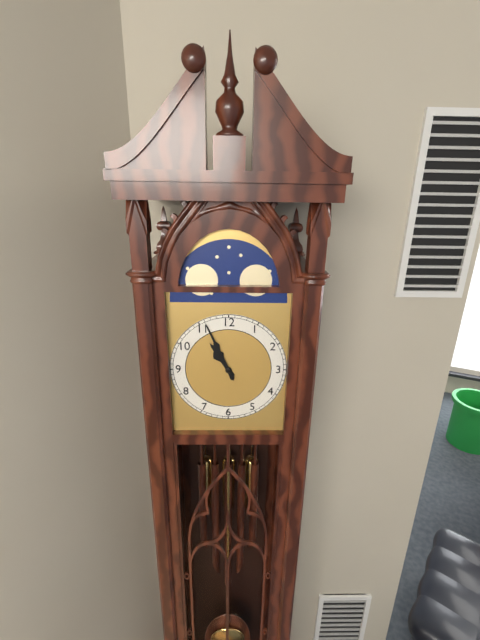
10:56
